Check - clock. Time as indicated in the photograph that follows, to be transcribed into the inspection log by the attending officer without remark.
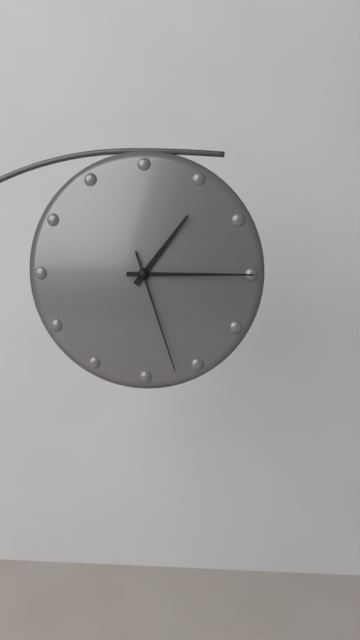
1:15:27
